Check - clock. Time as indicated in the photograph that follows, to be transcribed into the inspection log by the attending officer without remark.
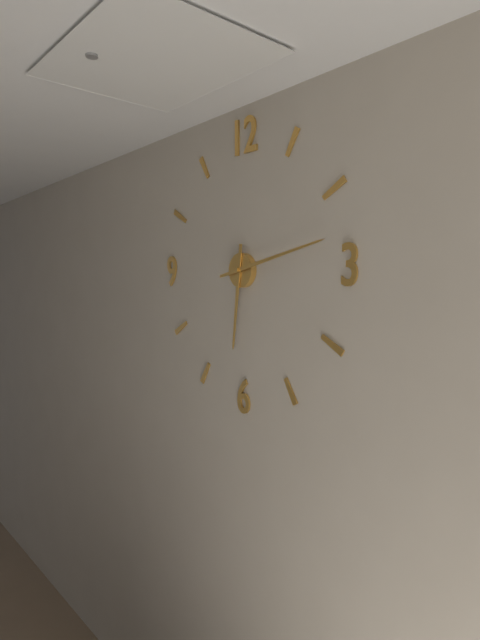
6:13
